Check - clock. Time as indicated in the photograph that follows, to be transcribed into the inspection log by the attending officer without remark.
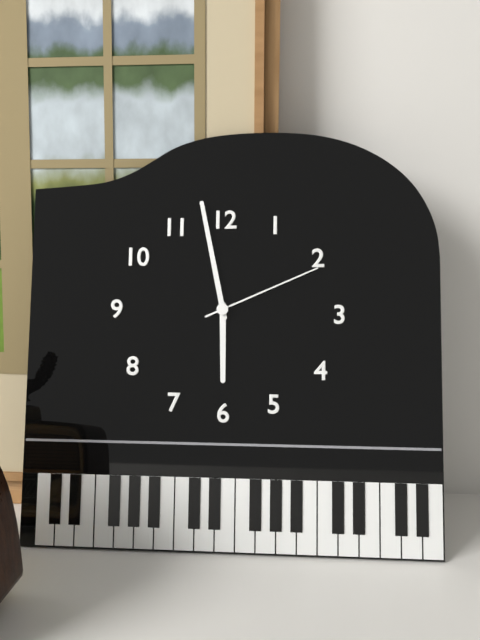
5:58:11
